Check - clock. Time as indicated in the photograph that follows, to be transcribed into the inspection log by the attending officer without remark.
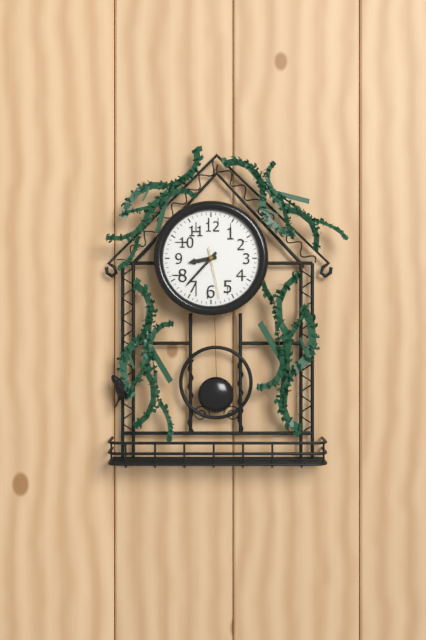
8:37:28
